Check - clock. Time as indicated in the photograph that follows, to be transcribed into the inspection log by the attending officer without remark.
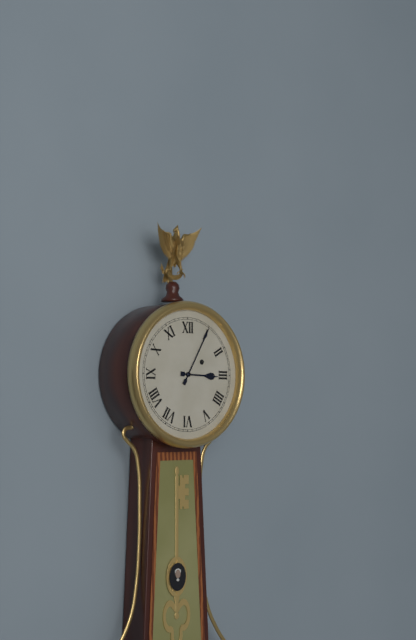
3:05
